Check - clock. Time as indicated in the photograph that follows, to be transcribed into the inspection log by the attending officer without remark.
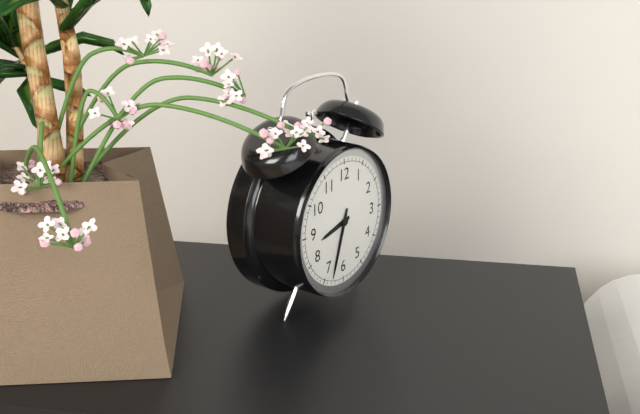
8:33
